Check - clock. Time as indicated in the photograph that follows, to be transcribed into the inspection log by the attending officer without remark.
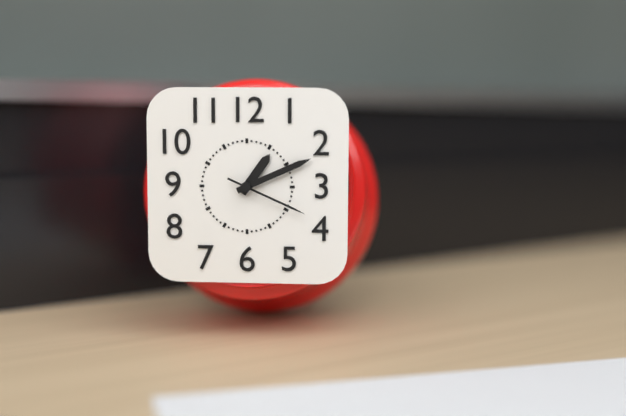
1:11:19
